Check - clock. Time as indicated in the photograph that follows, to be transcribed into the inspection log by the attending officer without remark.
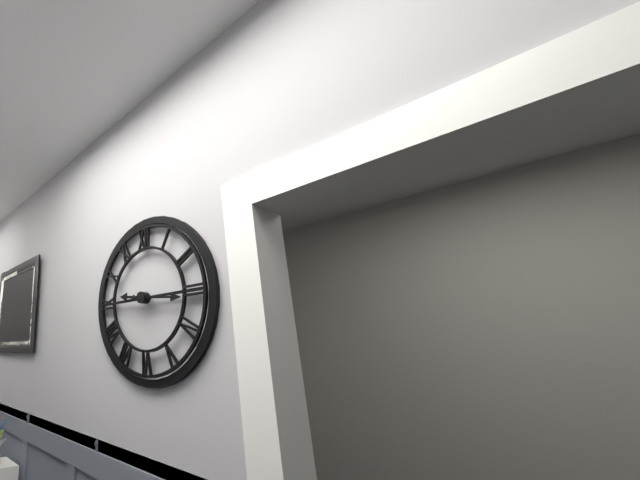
9:16
